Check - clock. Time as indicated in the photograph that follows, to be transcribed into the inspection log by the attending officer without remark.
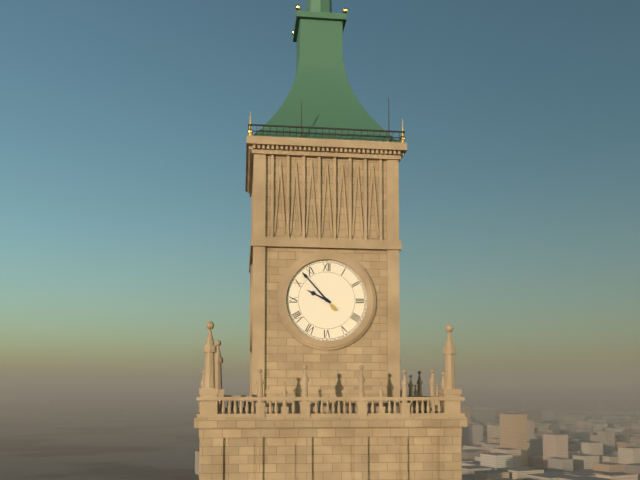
9:53
